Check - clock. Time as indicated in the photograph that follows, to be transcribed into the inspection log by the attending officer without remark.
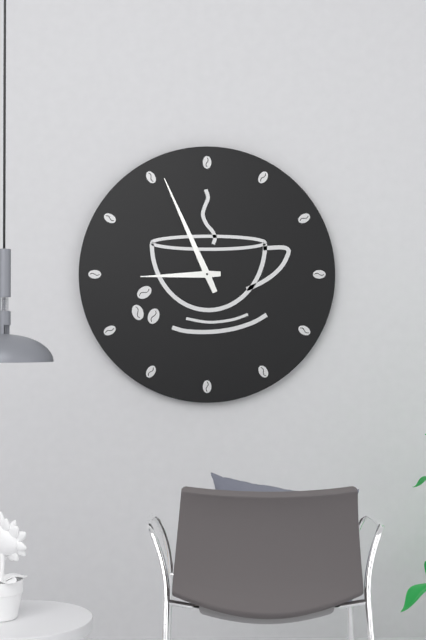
8:56
